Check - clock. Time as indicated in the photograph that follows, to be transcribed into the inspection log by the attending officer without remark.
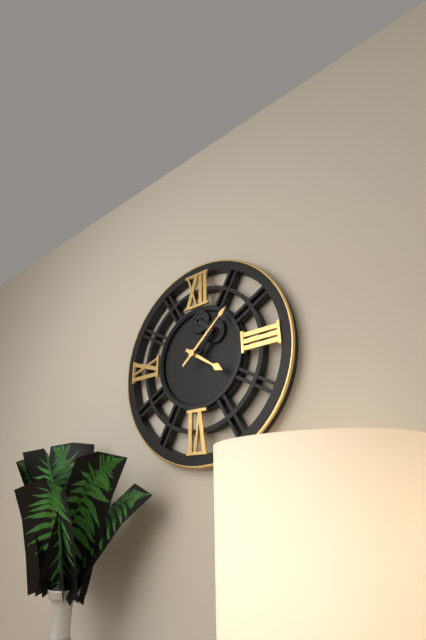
4:08
